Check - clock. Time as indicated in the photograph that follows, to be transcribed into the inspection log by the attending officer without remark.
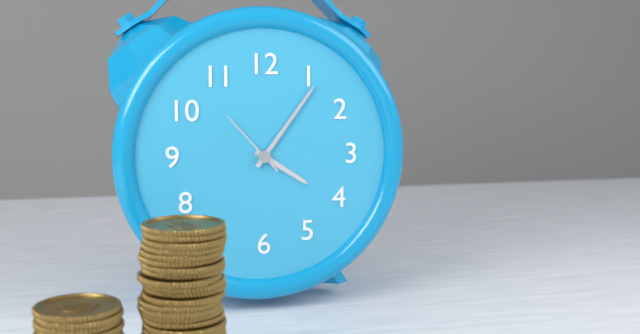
4:06:53
